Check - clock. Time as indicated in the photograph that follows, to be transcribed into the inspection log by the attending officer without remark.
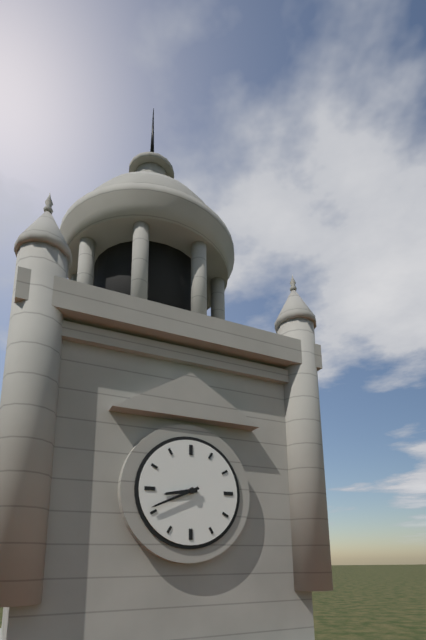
8:41
